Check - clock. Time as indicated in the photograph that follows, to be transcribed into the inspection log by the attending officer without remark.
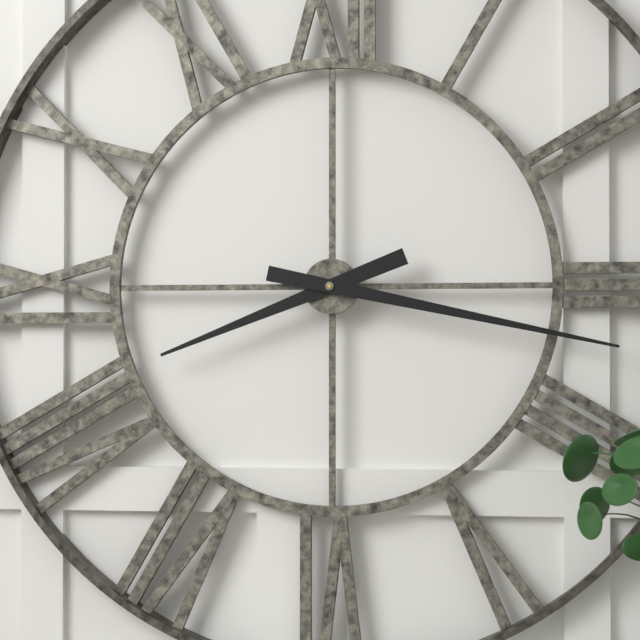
8:17
